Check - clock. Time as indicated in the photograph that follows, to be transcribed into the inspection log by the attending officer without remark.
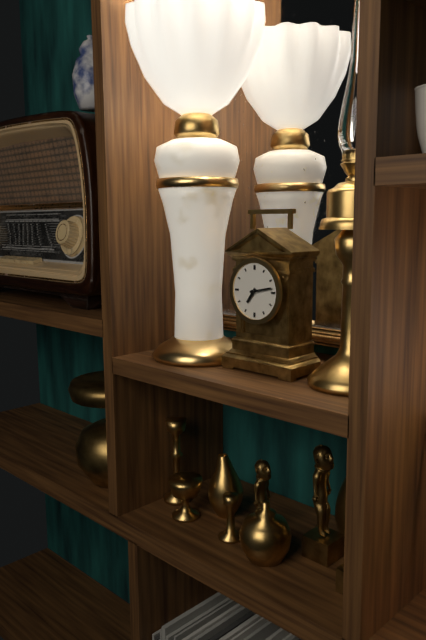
7:13
